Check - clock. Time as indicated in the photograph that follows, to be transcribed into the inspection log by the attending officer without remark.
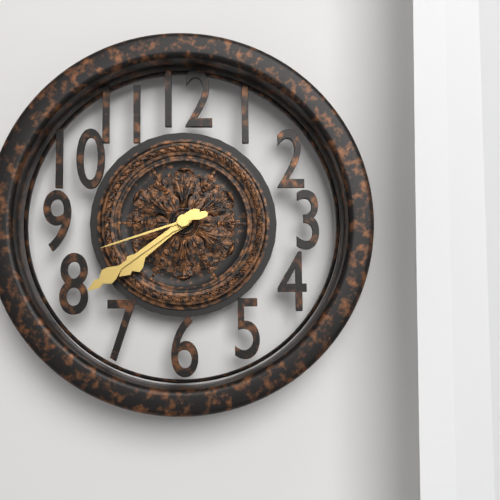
7:39:42
